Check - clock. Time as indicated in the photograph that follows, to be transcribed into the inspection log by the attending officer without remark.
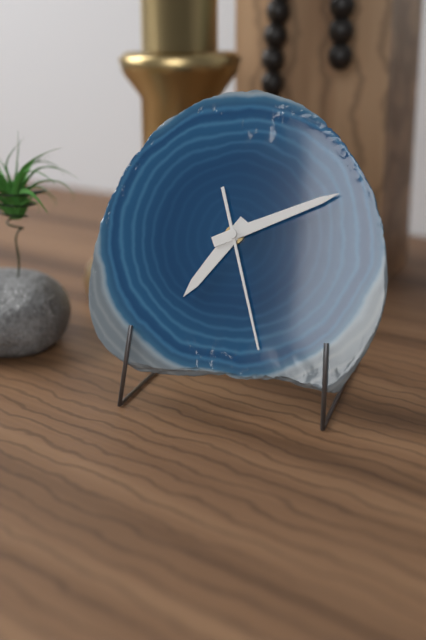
7:11:27
